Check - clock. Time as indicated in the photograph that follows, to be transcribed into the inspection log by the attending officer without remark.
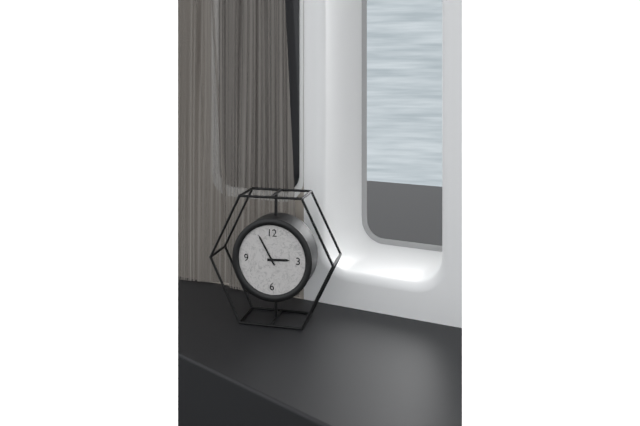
2:55
